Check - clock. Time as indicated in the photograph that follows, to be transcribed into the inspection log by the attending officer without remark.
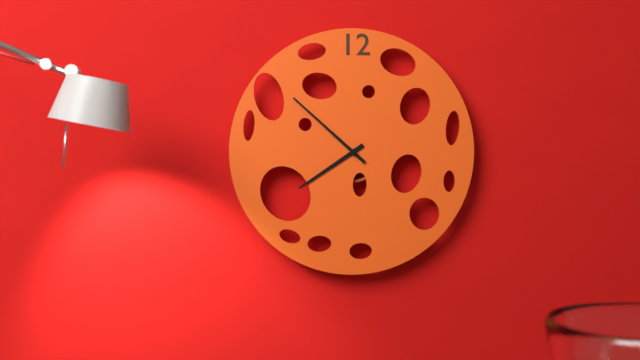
7:52
